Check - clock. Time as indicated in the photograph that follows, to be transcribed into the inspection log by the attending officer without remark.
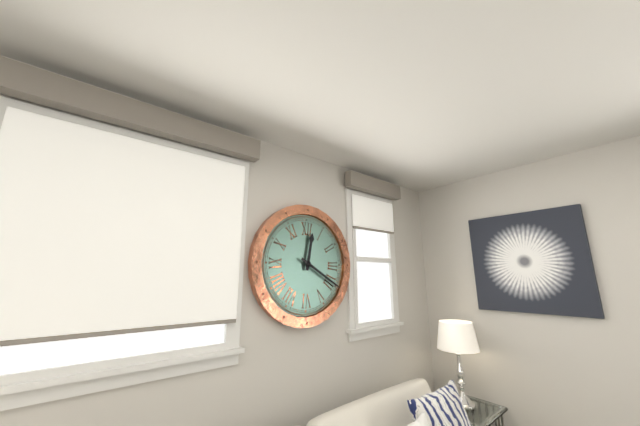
12:20
